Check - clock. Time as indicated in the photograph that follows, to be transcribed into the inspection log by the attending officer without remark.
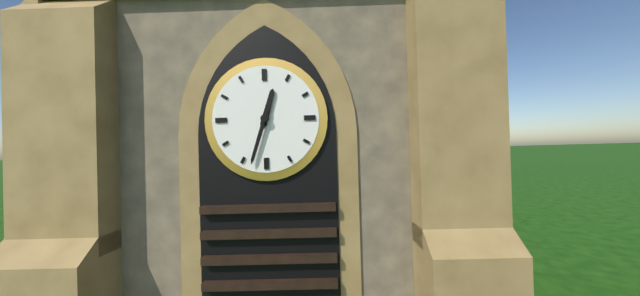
12:33
